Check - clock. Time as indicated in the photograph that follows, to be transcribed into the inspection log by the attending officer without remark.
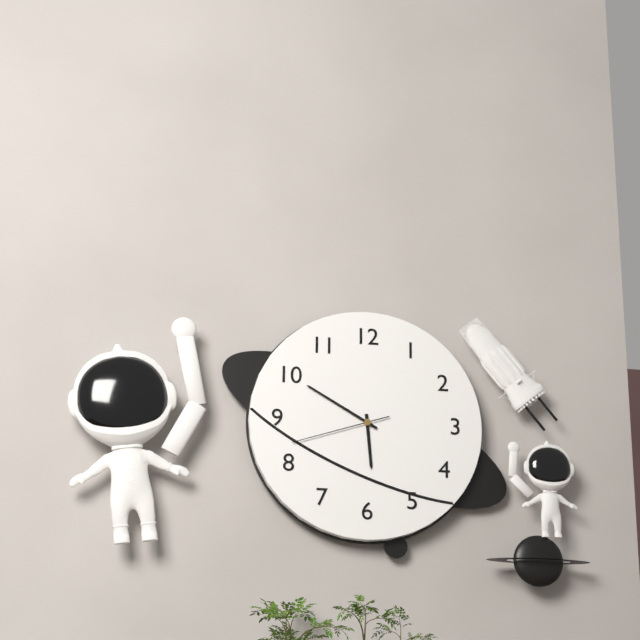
5:50:42
